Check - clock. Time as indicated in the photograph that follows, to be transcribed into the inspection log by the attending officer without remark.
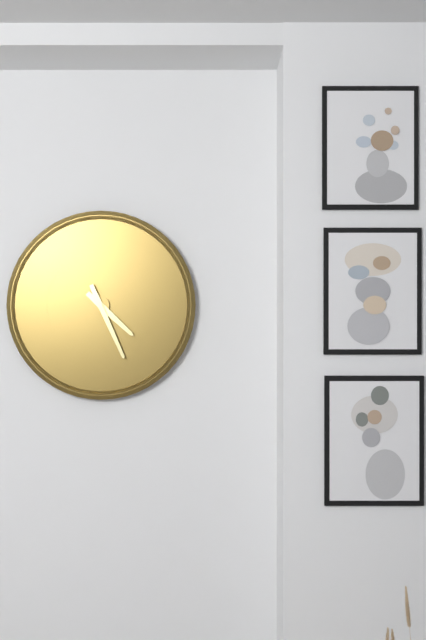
4:26
